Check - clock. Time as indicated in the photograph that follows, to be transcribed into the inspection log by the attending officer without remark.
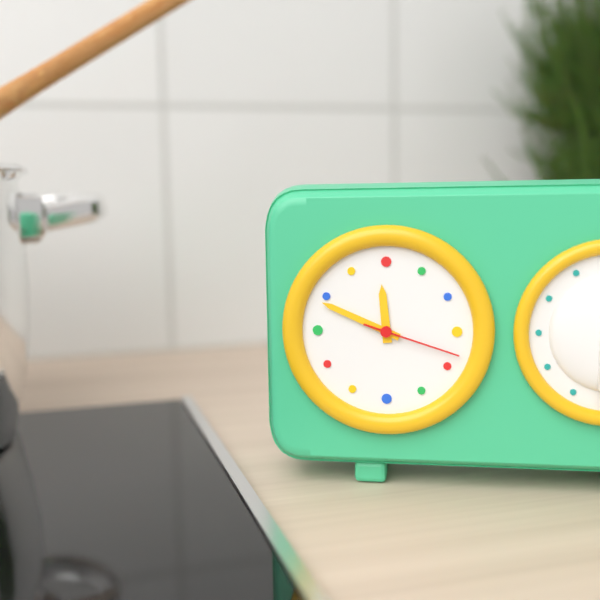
11:49:18
